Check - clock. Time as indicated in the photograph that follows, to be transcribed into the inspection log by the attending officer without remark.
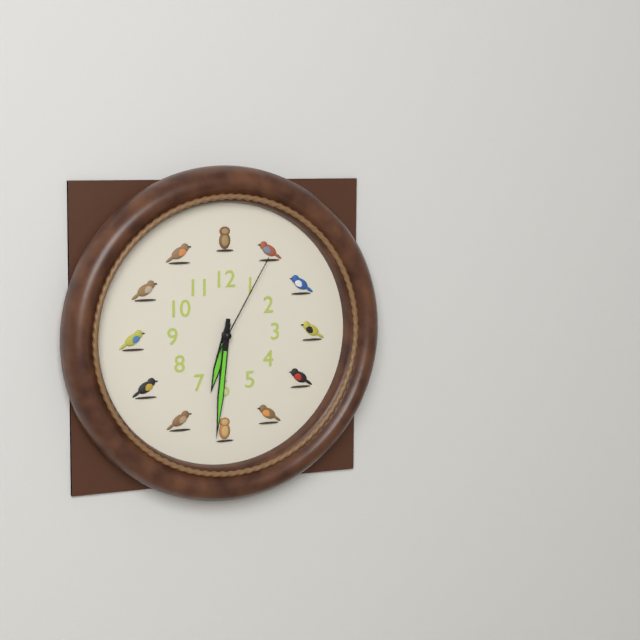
6:31:05
